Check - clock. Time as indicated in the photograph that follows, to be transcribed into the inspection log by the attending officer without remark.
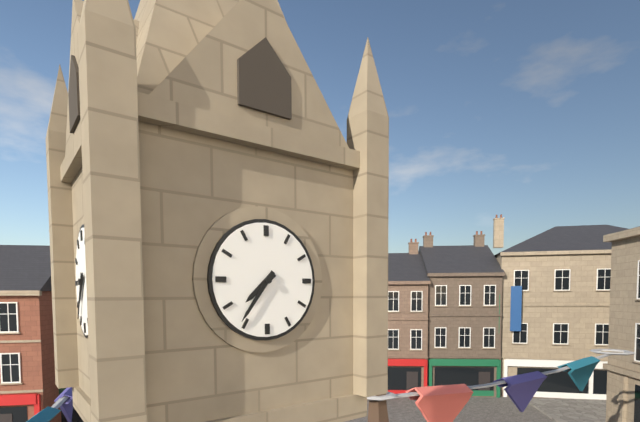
7:36
